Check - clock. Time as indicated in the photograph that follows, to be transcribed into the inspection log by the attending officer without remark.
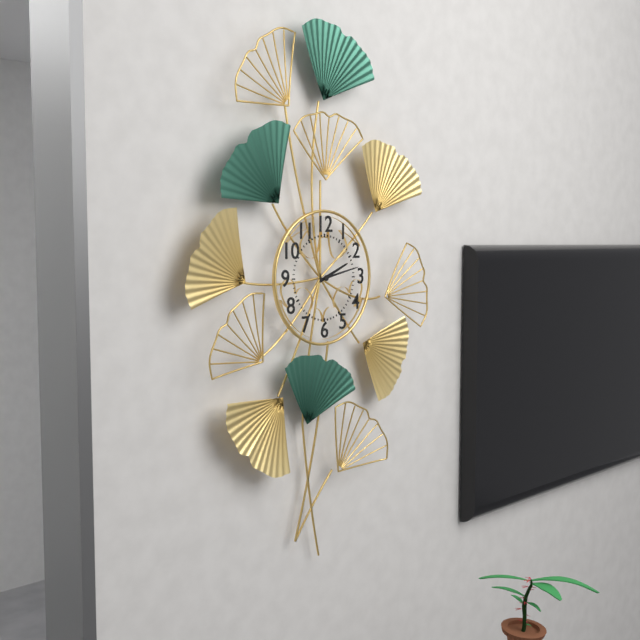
2:13
